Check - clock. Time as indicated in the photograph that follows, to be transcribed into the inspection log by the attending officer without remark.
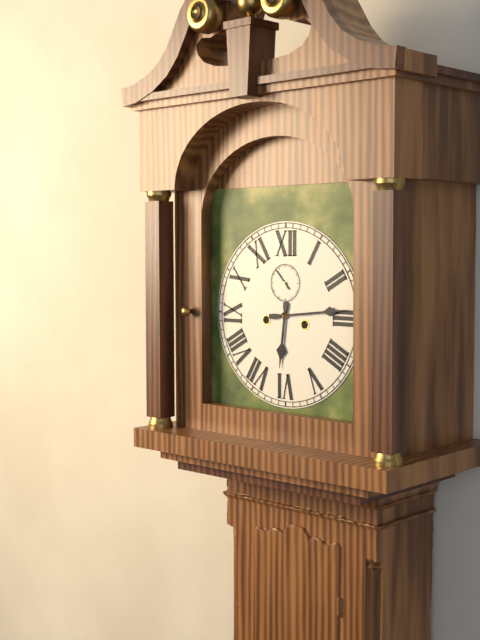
6:14
